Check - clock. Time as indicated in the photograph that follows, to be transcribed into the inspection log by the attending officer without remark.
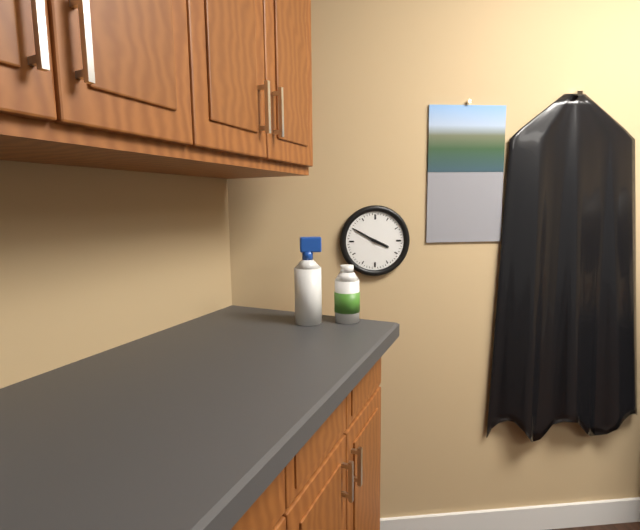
3:50
